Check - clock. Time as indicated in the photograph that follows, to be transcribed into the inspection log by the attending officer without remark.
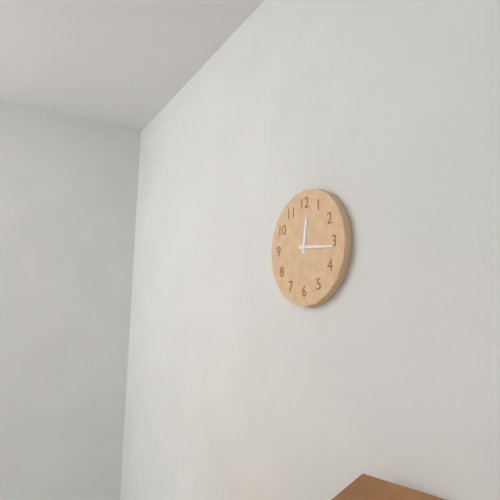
12:16
